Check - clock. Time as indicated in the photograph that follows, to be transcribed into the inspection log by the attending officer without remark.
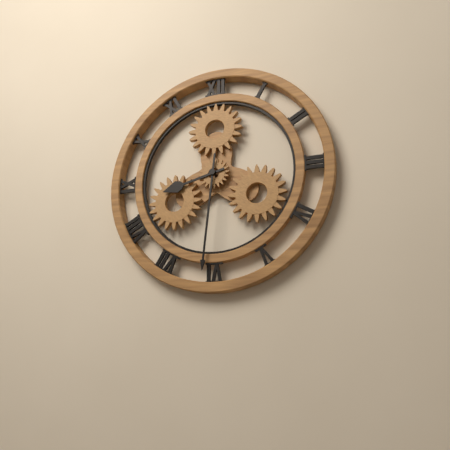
8:31
